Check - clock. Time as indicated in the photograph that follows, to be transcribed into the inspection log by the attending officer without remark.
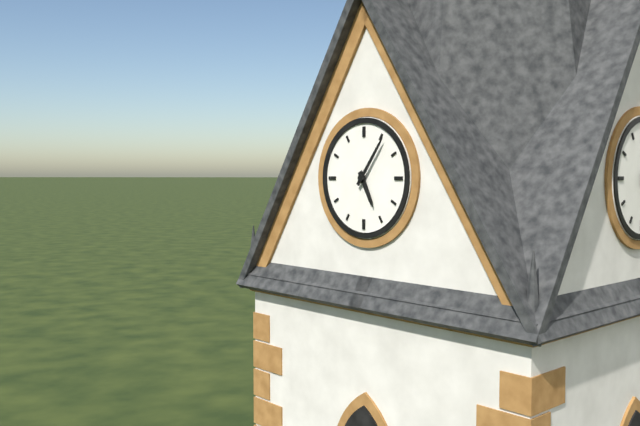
5:06
